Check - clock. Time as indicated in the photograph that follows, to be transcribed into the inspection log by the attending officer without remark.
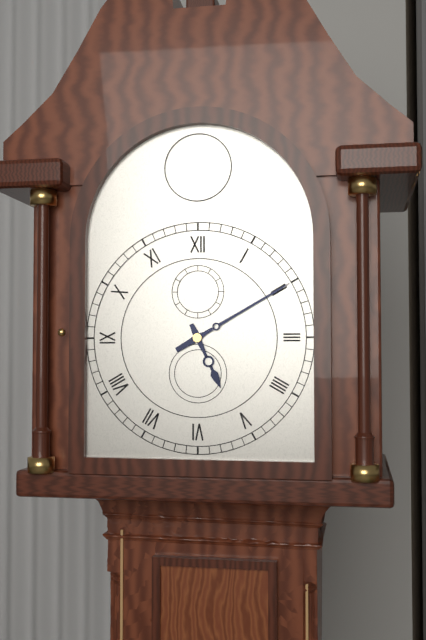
5:10
